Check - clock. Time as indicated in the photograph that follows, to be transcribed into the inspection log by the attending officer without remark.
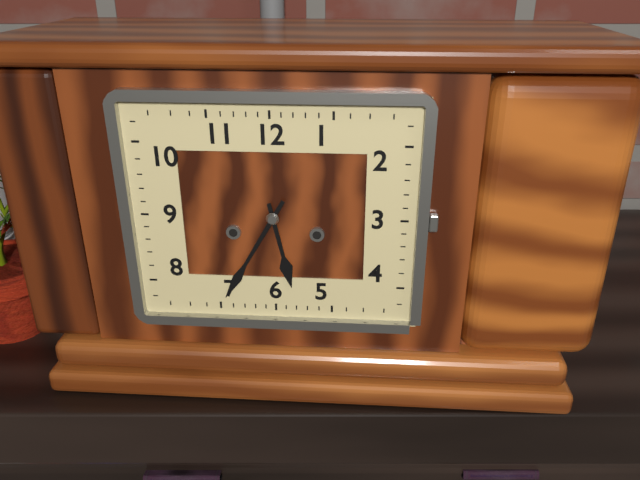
5:35
